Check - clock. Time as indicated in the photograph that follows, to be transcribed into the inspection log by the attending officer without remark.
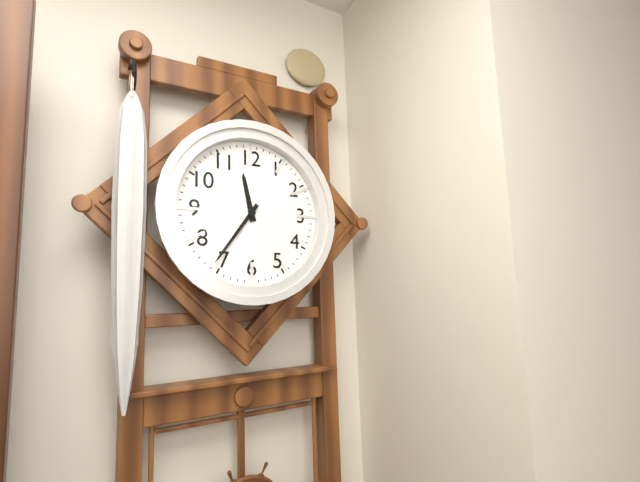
11:36
